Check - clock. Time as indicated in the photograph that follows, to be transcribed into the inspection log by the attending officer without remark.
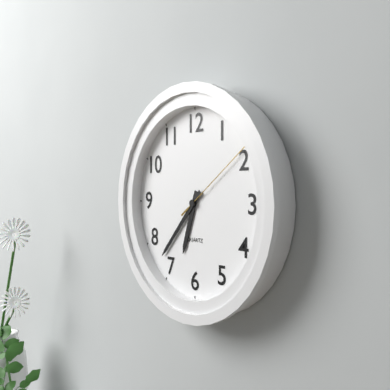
6:37:09
